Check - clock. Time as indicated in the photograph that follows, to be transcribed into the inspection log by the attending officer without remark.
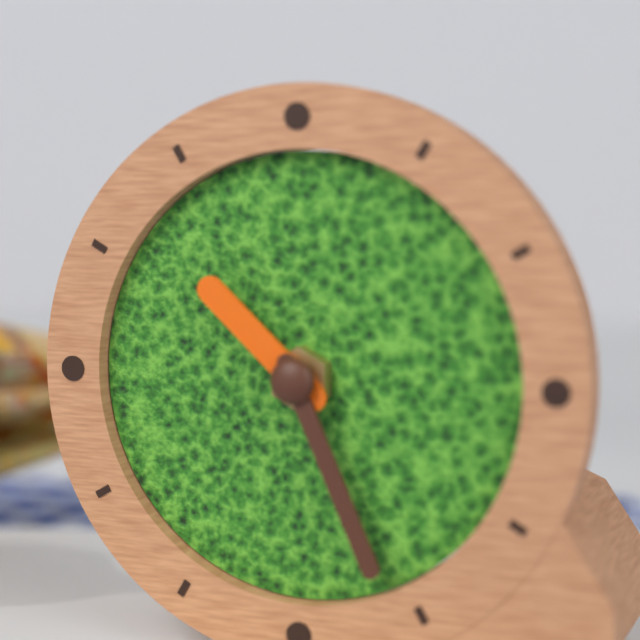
10:26
